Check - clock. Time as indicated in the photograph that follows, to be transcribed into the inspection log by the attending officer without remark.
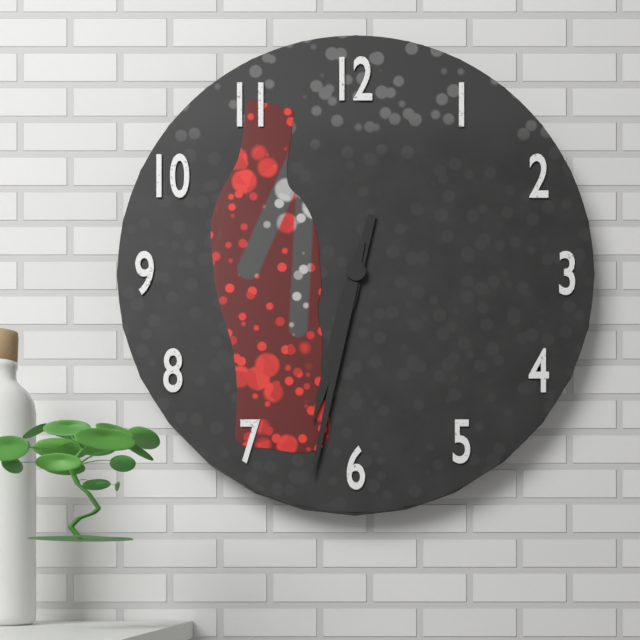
6:32
